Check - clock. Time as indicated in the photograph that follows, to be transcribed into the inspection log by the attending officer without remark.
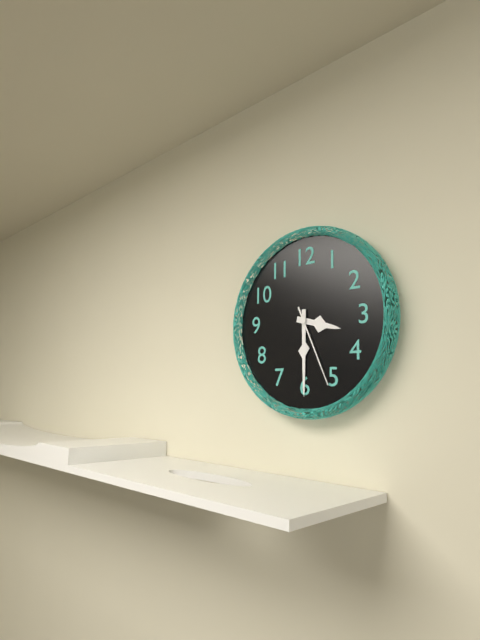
3:30:26
